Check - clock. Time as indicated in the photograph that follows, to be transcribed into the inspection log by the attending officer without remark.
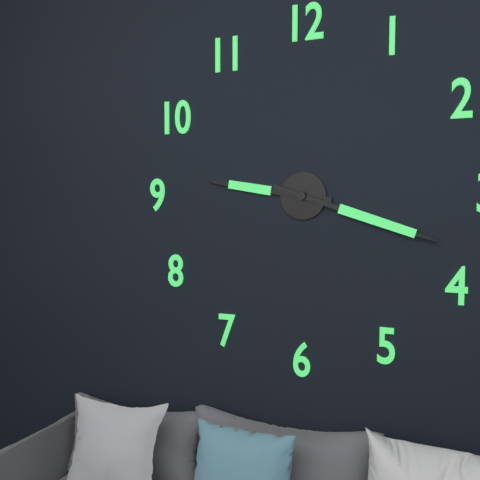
9:18
